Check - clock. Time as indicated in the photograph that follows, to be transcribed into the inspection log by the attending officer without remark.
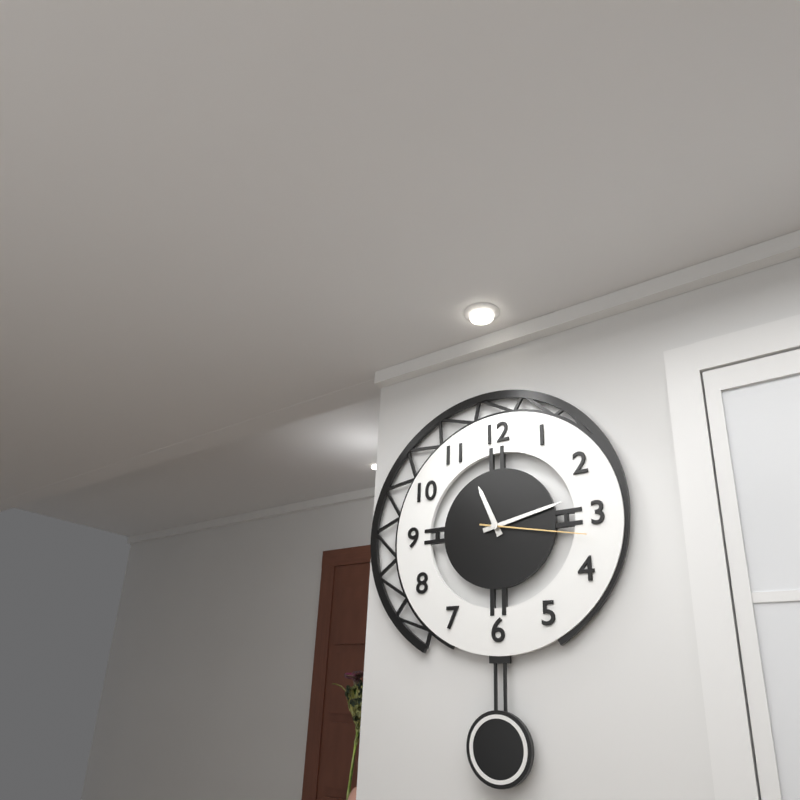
11:13:17
